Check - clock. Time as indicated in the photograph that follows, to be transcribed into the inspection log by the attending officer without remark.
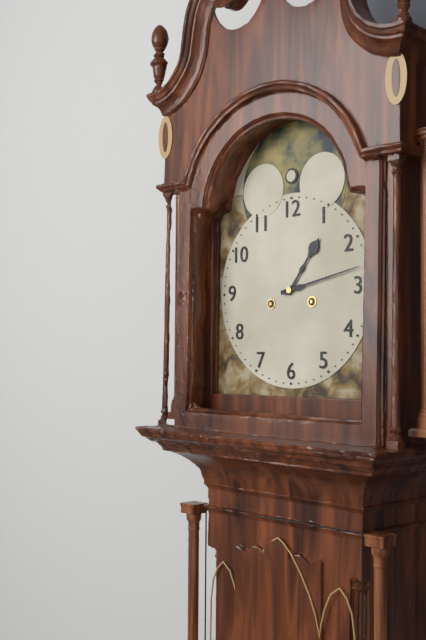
1:13
